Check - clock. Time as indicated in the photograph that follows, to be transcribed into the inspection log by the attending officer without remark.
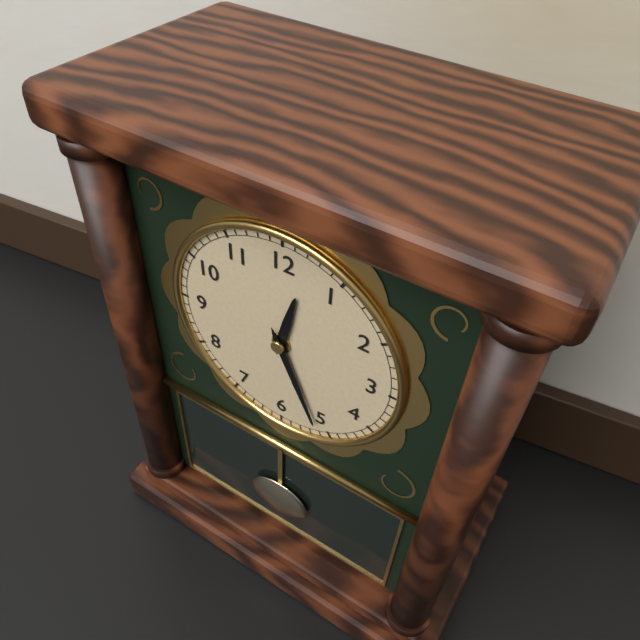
12:26
